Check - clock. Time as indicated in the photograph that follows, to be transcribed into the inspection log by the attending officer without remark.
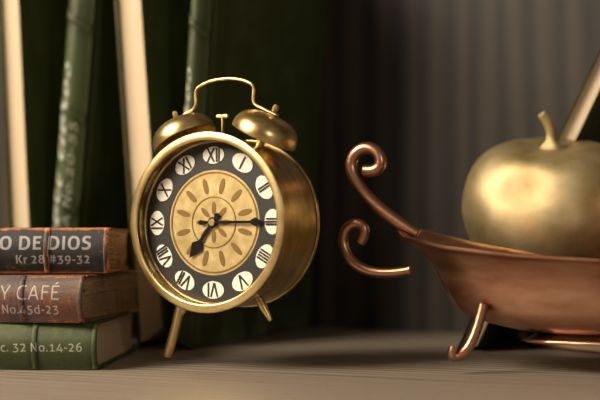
7:15
